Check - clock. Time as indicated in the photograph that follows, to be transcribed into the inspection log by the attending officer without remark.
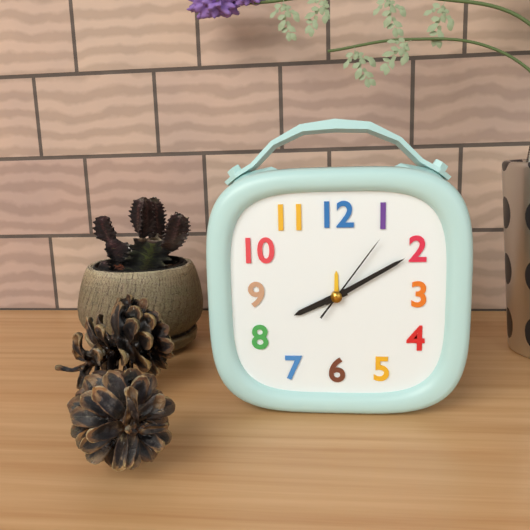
8:10:06
